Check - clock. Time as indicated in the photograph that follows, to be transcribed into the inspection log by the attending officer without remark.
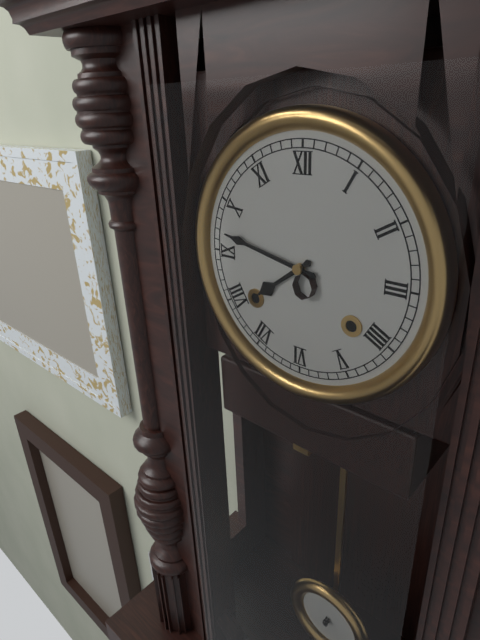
7:47
